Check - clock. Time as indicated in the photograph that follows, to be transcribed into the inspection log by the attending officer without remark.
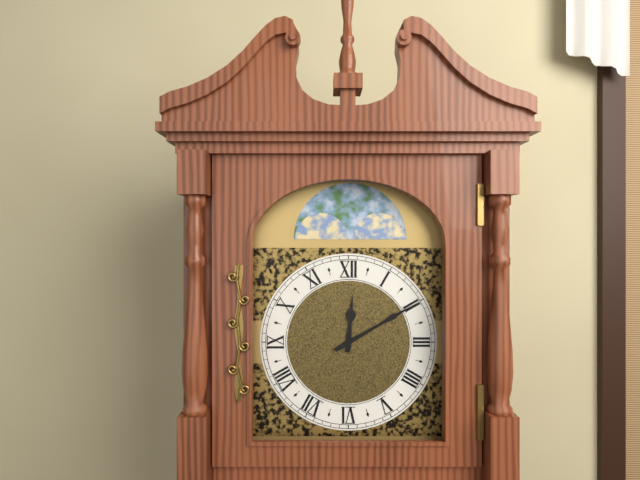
12:10
